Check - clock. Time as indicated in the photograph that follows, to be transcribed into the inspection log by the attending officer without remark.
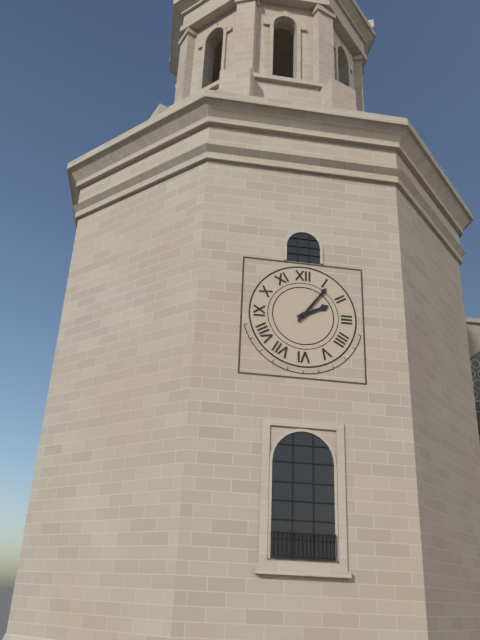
2:06
